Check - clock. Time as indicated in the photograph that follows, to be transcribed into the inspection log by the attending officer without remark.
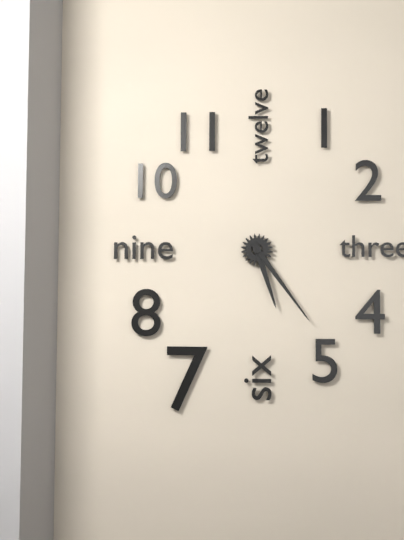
5:24
